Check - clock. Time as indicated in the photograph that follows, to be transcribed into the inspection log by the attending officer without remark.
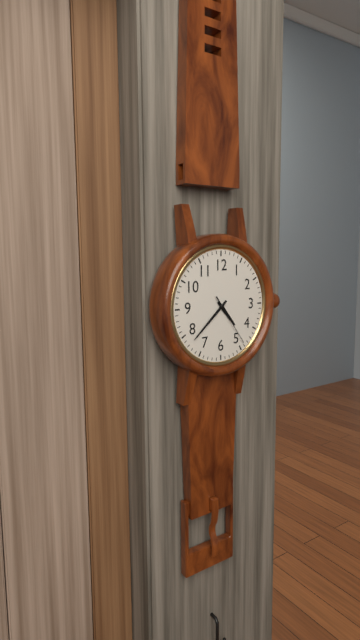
4:38:24
